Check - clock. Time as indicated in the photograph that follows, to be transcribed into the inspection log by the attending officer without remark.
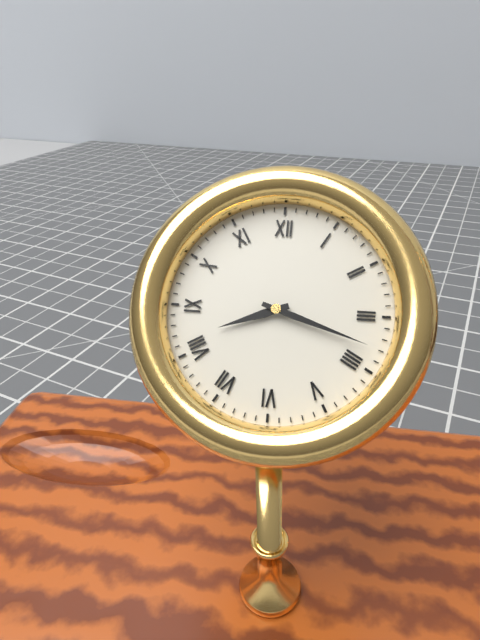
8:18
